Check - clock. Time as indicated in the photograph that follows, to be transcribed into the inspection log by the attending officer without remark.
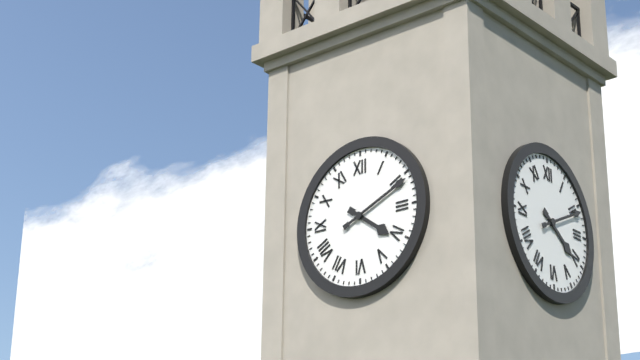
4:11
